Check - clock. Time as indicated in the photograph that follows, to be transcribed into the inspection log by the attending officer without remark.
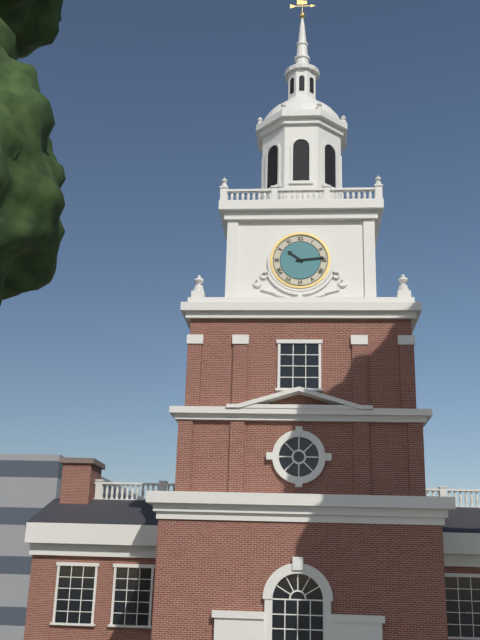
10:14
